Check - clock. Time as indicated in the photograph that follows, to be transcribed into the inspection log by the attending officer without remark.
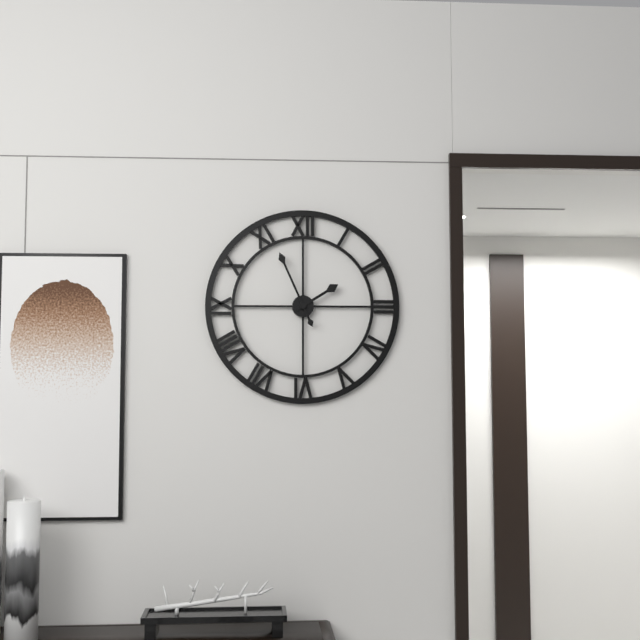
1:56
